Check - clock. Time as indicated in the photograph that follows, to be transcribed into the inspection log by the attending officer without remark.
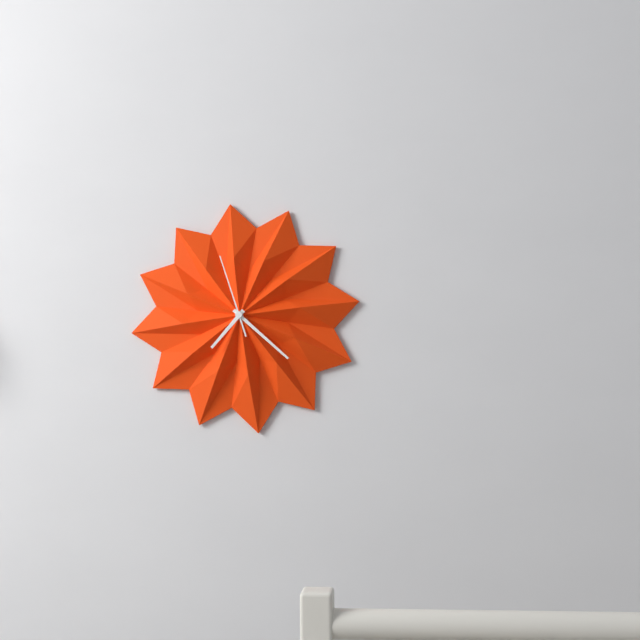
7:22:57
